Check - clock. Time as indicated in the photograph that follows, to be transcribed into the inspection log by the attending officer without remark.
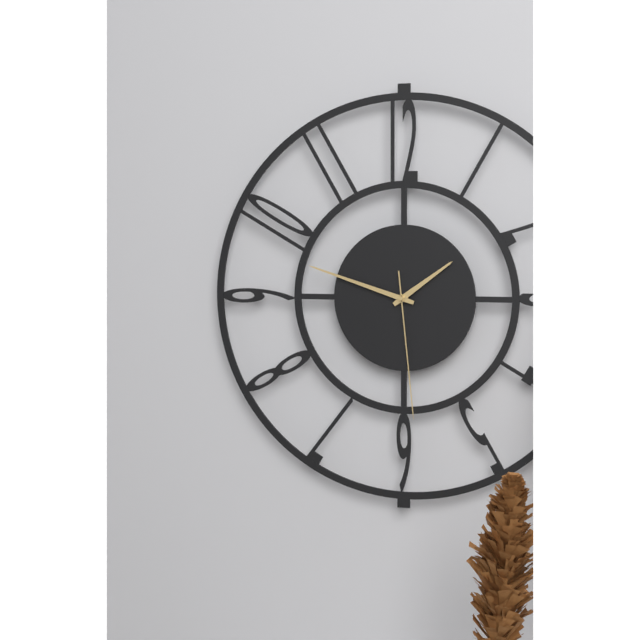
1:48:29
